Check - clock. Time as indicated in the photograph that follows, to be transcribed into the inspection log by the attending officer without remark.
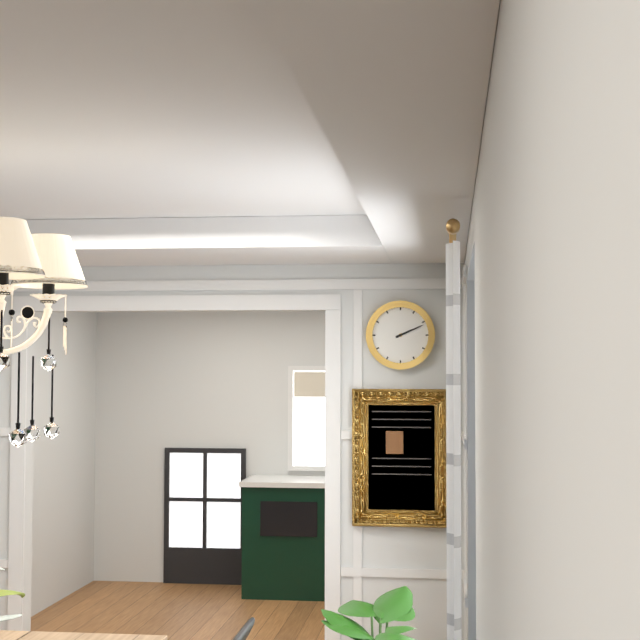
2:11
